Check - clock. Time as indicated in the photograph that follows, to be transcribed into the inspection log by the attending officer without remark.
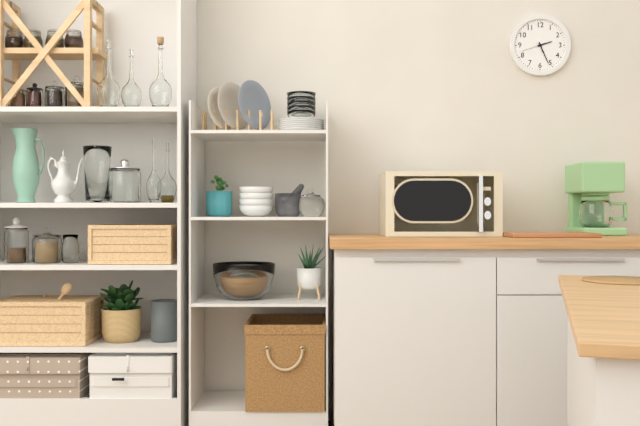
2:26
